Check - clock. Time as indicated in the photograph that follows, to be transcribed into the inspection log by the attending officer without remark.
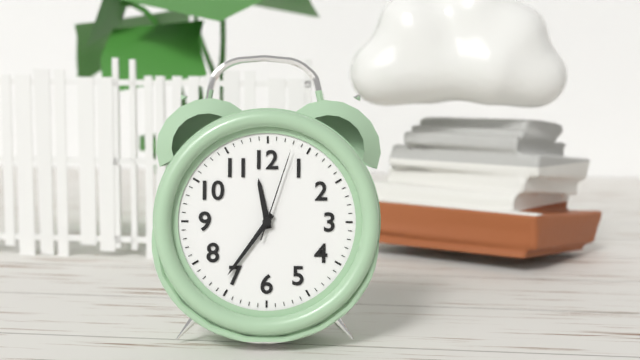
11:36:03
